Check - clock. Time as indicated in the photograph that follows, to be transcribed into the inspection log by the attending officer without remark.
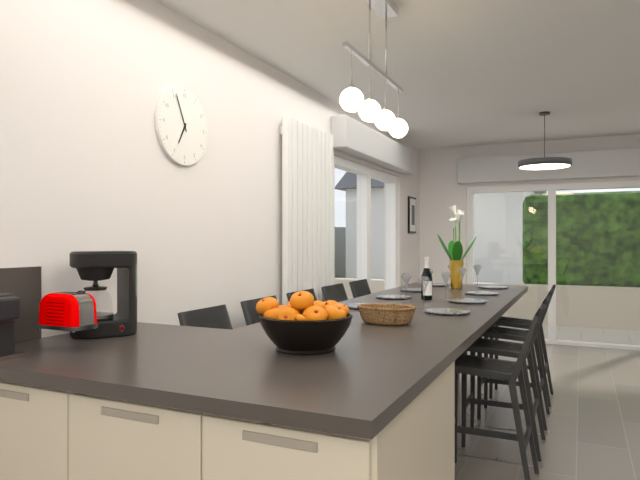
6:56
